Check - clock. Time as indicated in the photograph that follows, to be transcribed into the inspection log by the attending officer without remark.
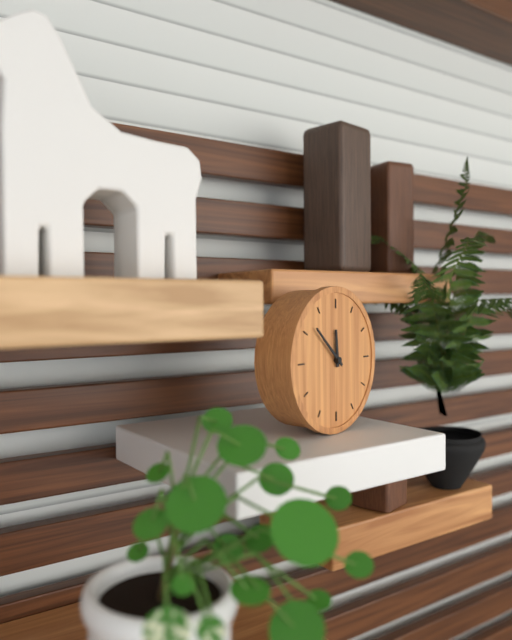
11:52
